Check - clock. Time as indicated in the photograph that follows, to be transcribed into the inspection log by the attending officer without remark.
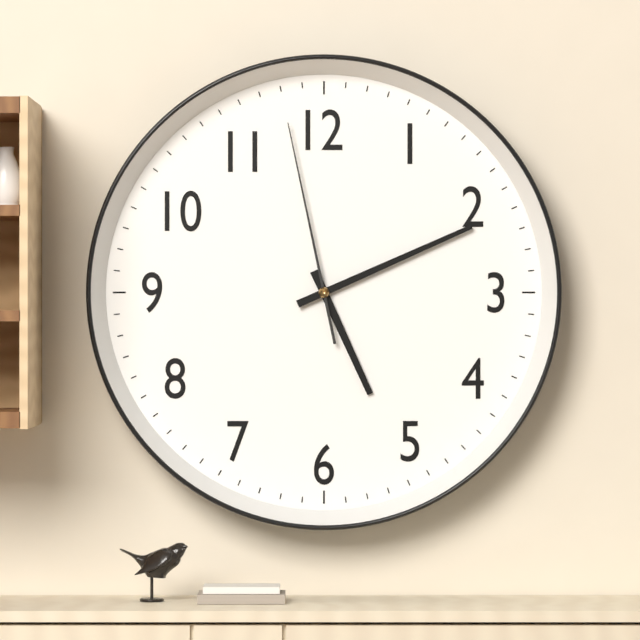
5:11:58
